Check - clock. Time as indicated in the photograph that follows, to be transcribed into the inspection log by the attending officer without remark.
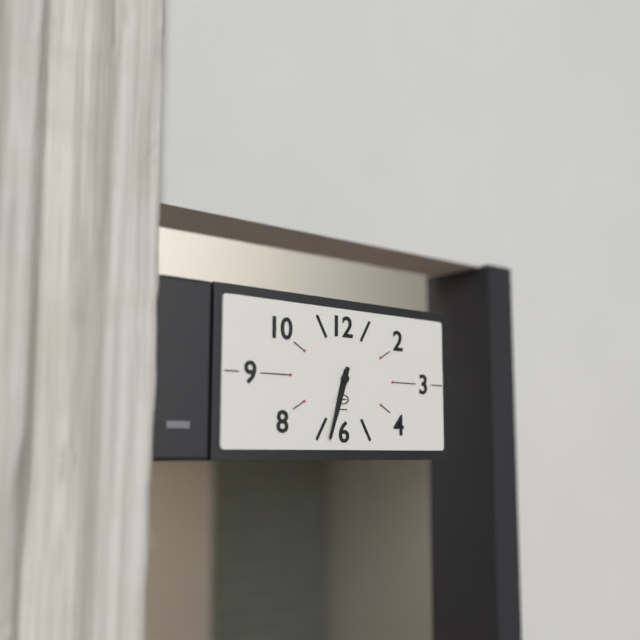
6:33
